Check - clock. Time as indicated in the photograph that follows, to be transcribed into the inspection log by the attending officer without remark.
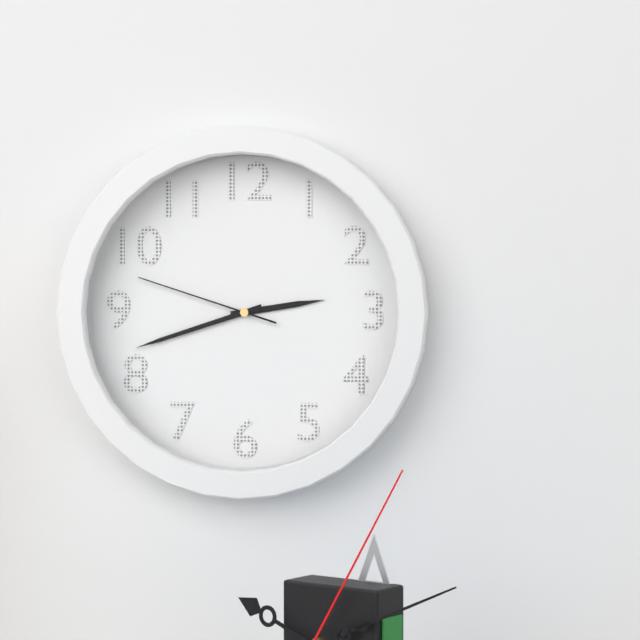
2:42:48
